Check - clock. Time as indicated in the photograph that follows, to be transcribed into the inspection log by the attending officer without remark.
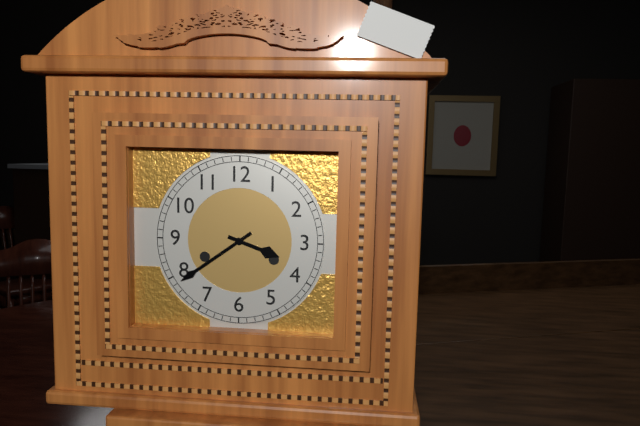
3:39
